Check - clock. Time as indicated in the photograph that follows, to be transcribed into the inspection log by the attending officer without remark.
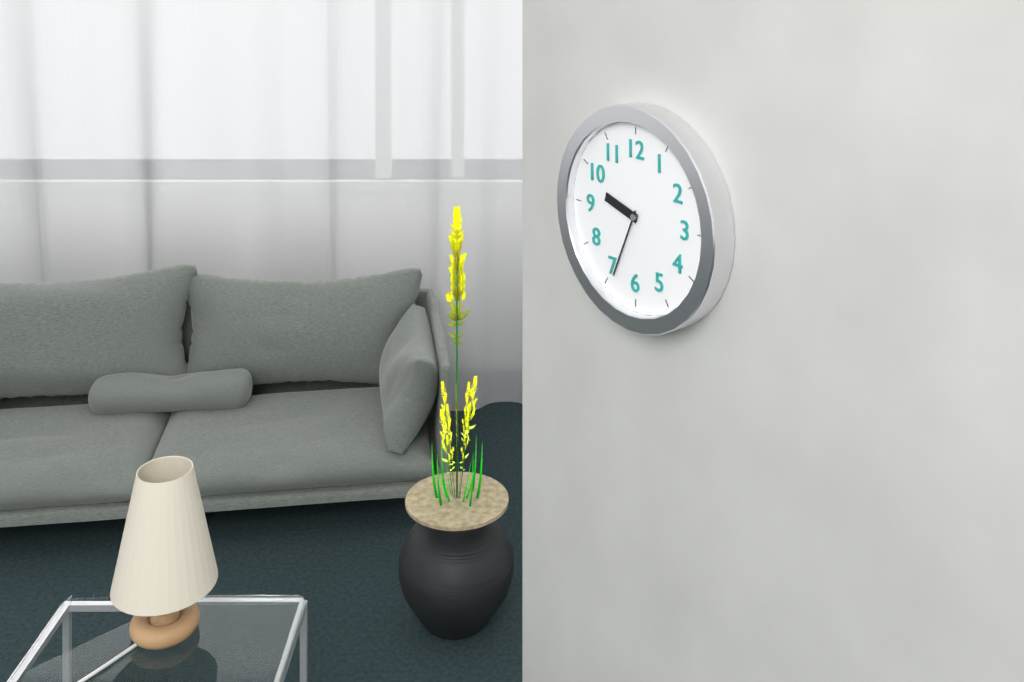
9:34
